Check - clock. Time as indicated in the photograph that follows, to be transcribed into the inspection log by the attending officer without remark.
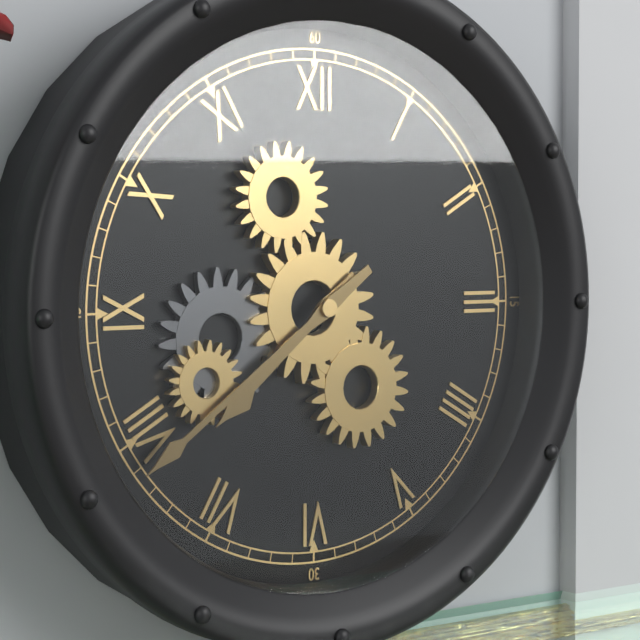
7:39
